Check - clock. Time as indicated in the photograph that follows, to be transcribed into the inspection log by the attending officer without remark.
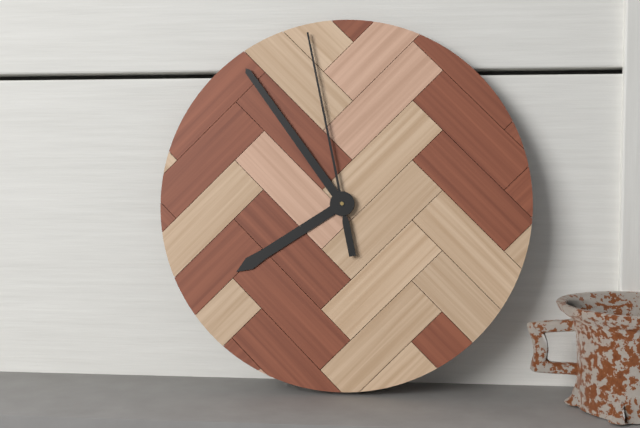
7:54:58
